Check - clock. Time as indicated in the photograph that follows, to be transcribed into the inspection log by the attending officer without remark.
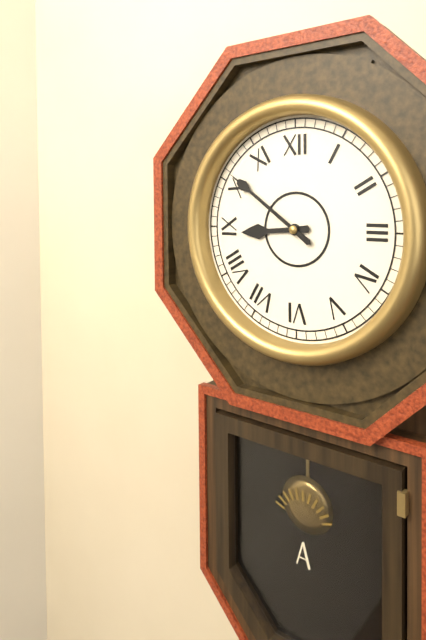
8:51
